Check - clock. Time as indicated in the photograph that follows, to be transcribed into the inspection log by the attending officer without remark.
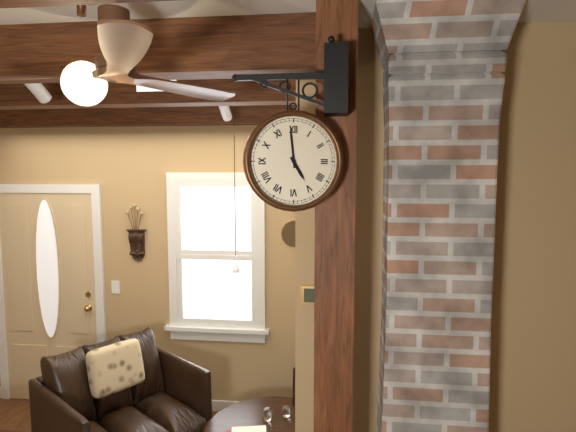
4:59
